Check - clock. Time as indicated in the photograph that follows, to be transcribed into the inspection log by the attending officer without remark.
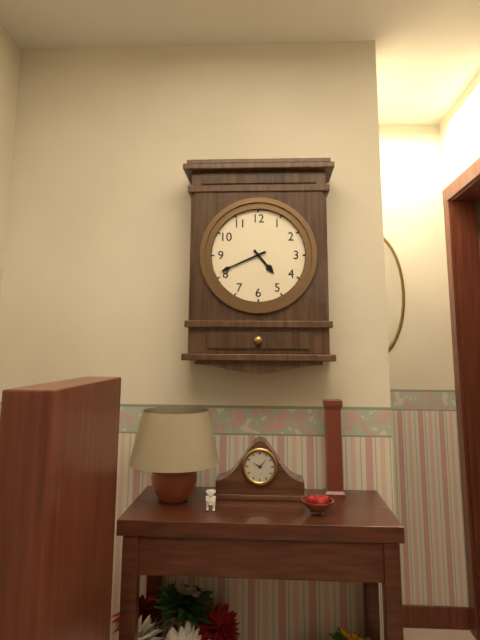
4:41
